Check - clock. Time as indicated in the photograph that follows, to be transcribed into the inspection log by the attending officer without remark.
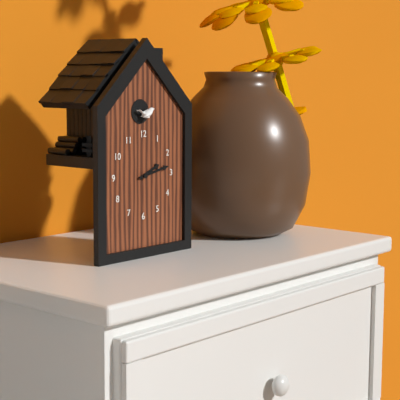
2:13
